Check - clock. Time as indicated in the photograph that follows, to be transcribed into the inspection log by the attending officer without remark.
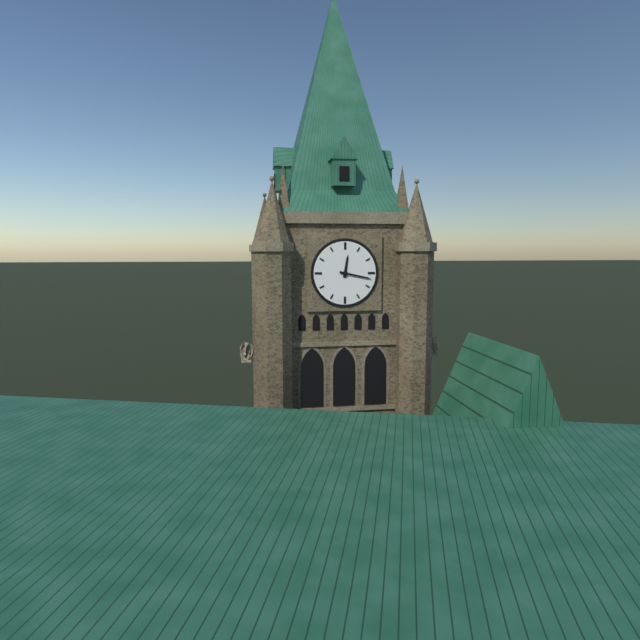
12:17
